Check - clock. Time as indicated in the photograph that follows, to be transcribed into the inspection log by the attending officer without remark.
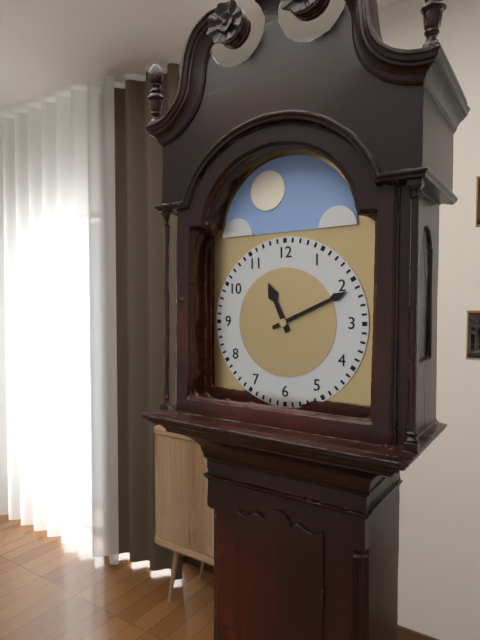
11:11
